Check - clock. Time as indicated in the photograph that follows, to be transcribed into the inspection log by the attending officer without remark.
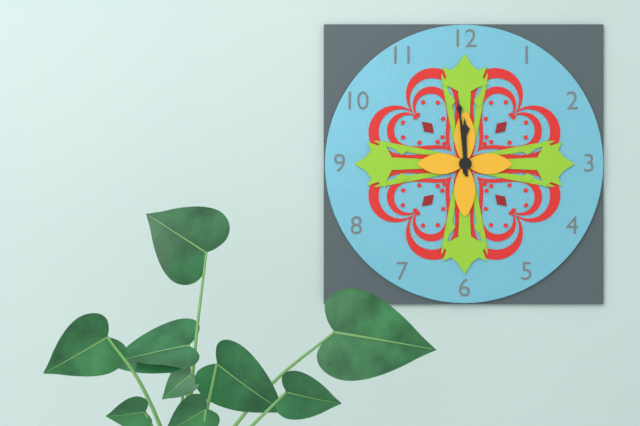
11:59
